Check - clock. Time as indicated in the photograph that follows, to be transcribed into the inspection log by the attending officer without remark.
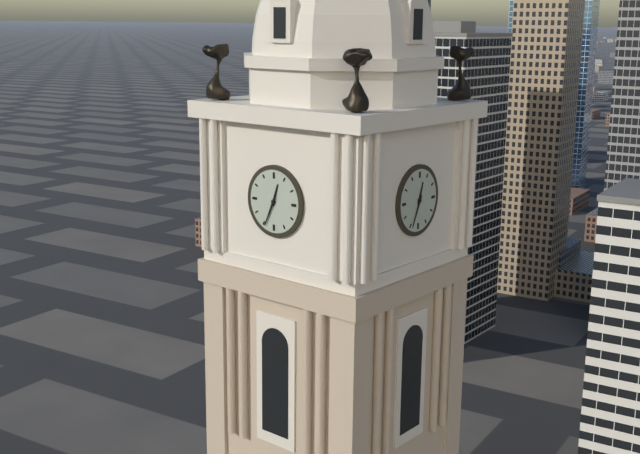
12:34
